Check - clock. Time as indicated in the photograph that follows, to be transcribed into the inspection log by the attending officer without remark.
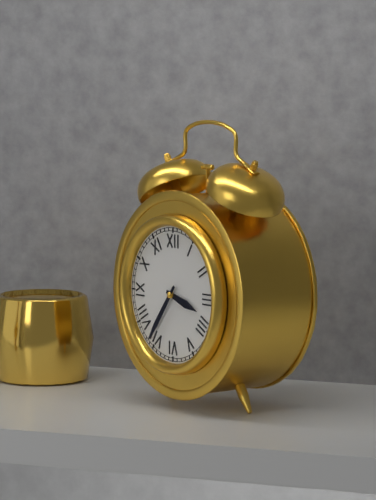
3:36
